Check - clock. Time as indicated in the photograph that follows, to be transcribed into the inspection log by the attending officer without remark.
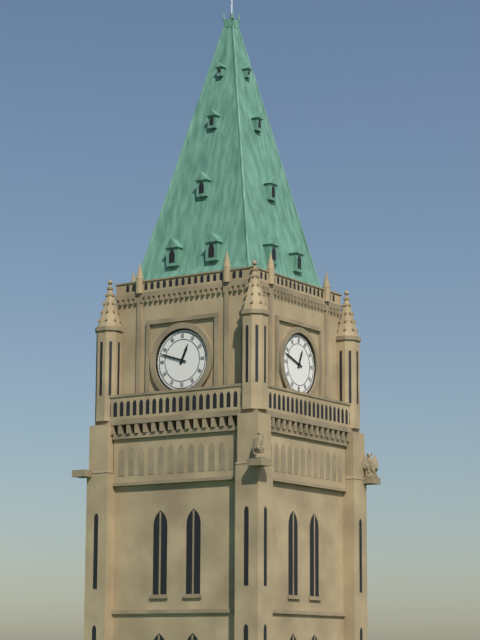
12:48
